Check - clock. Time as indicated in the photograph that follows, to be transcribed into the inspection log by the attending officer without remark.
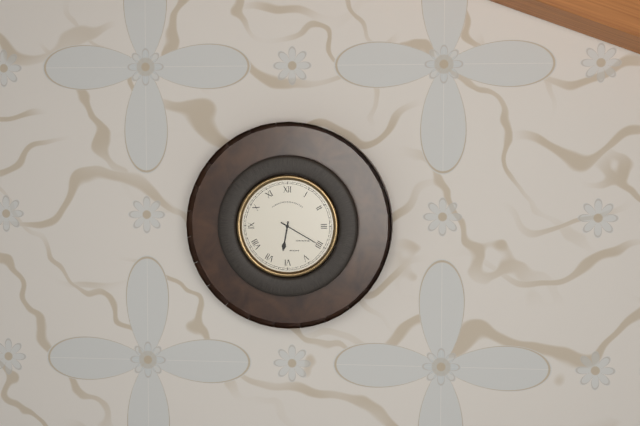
6:20
